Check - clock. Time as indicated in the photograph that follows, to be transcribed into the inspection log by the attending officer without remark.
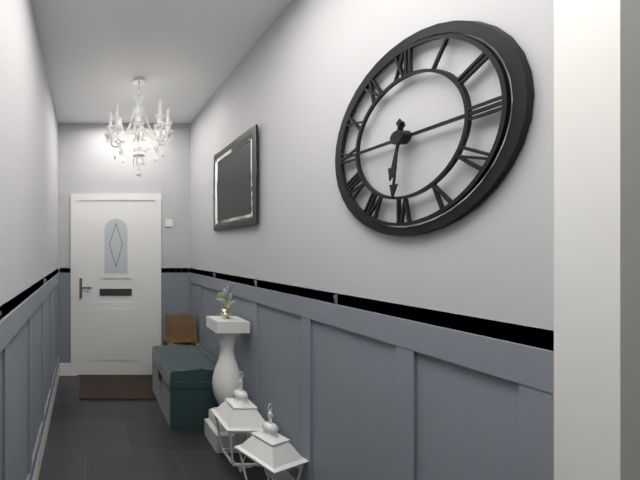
6:31
